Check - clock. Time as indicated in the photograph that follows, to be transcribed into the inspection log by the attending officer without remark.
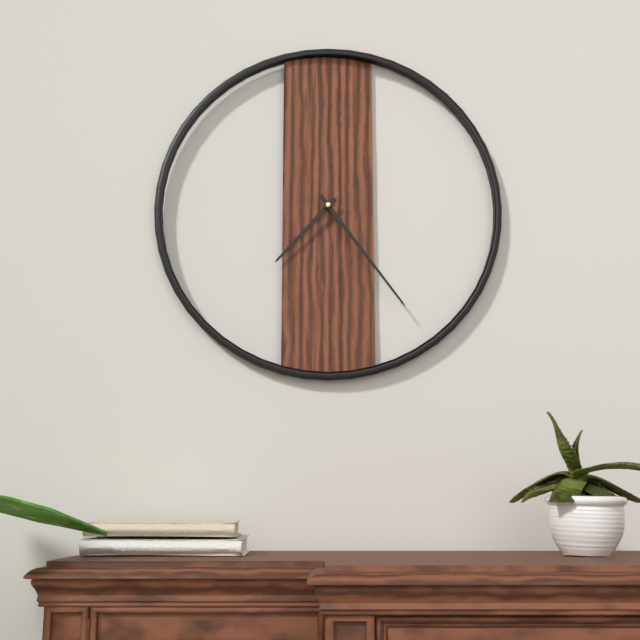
7:24
